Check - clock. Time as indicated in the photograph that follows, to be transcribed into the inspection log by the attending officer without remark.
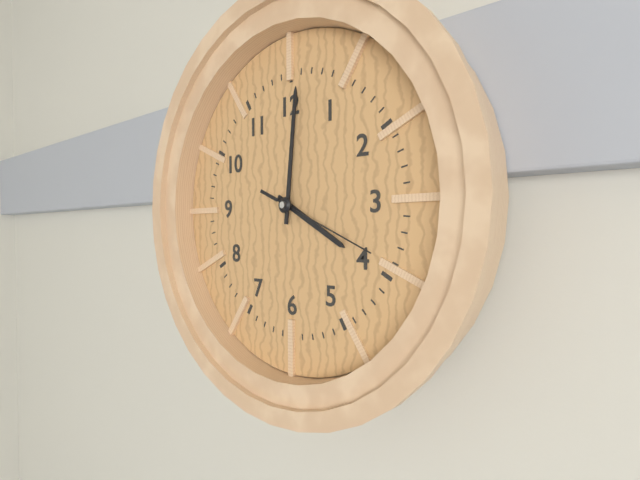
4:01:19
